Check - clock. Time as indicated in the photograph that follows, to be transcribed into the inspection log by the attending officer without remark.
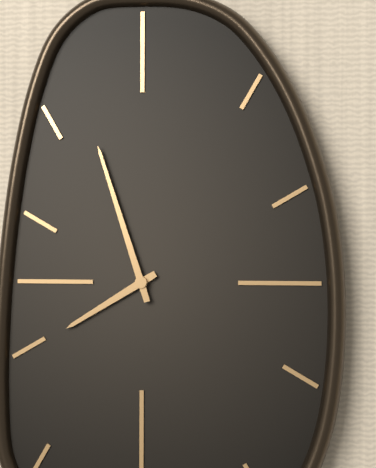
7:57
